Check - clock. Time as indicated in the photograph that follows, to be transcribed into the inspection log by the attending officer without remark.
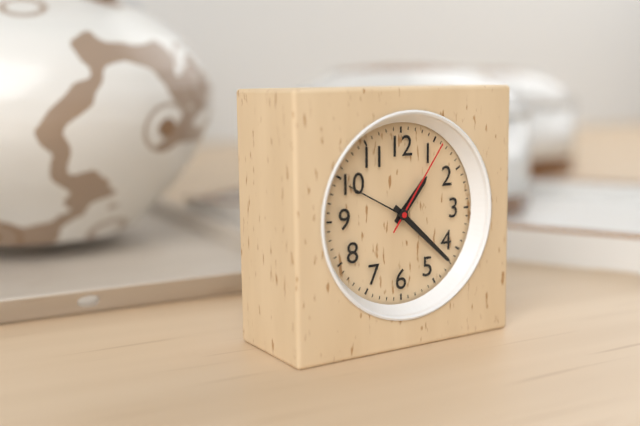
1:22:06
